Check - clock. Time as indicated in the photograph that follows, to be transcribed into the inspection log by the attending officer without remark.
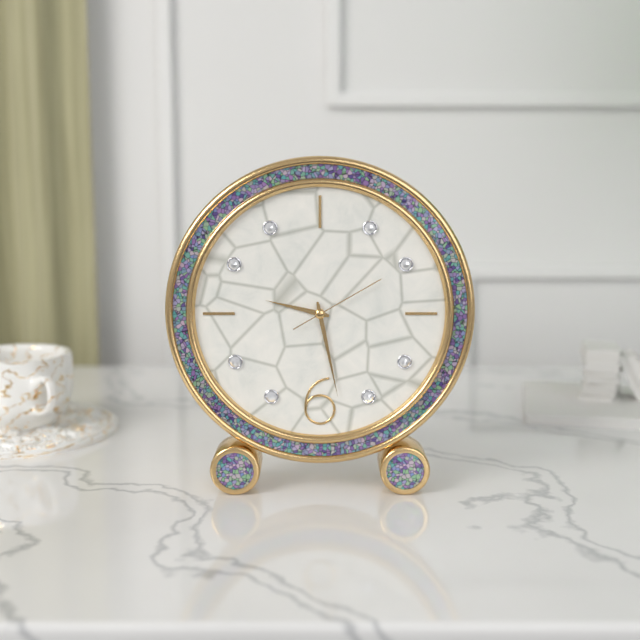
9:28:10
